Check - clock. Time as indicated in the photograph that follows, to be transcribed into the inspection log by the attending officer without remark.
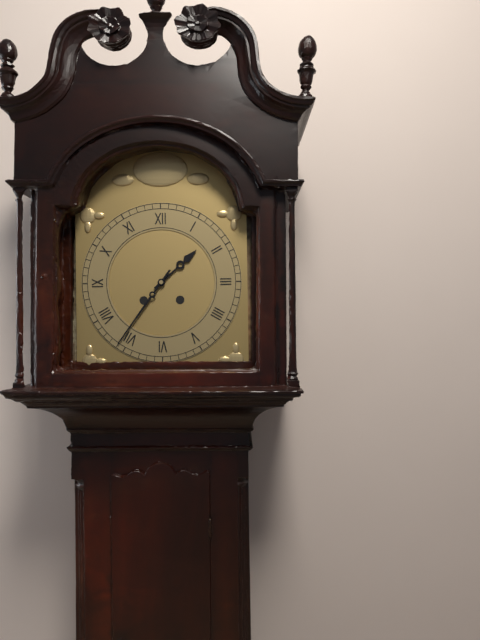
1:36
